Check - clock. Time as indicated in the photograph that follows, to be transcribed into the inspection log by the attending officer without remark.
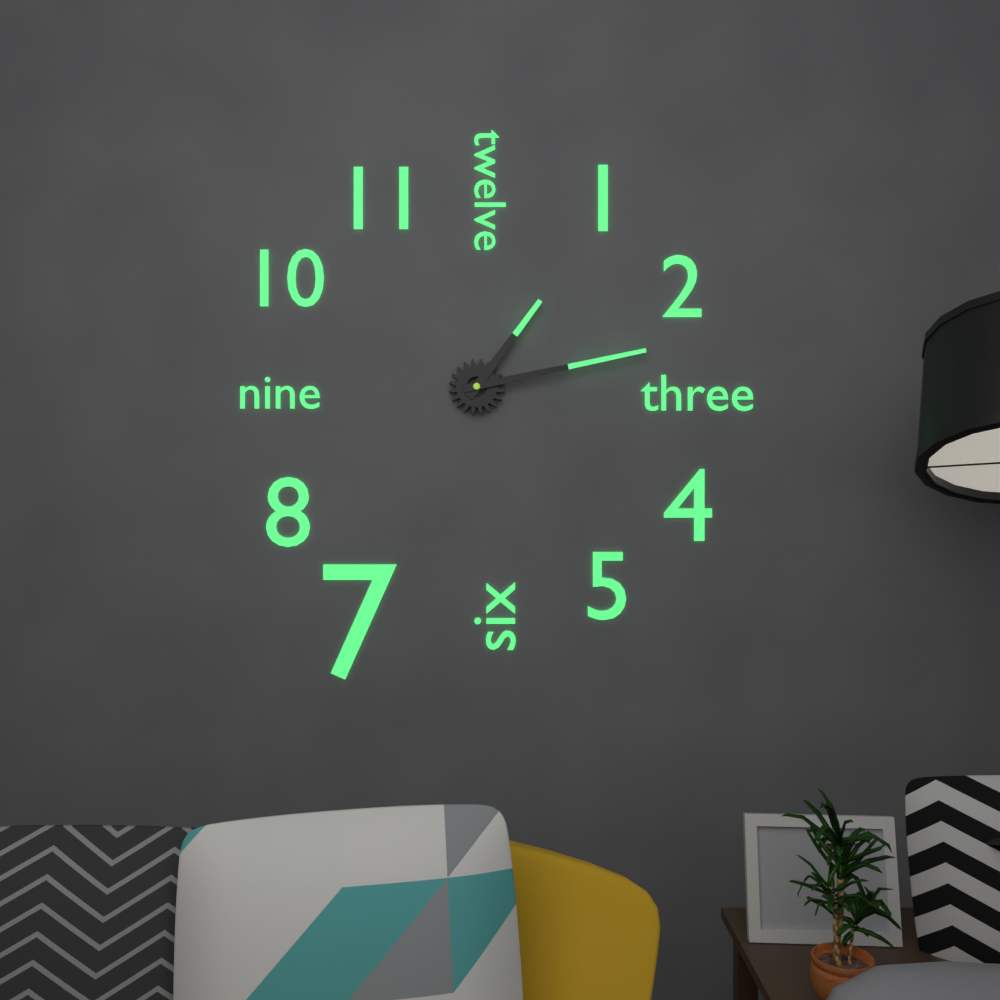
1:13
